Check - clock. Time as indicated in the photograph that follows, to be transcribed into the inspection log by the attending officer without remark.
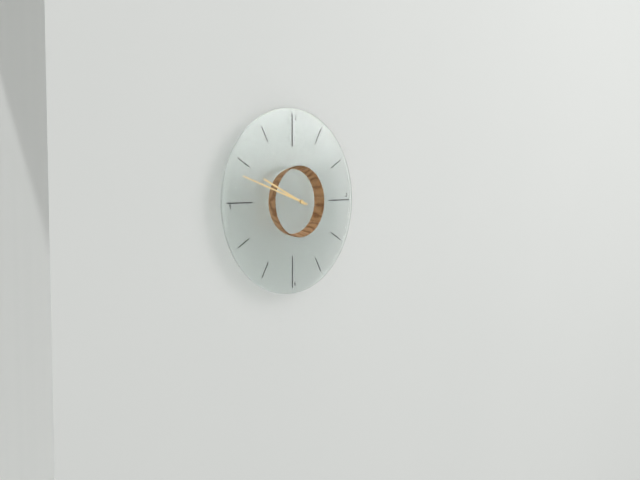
9:48
